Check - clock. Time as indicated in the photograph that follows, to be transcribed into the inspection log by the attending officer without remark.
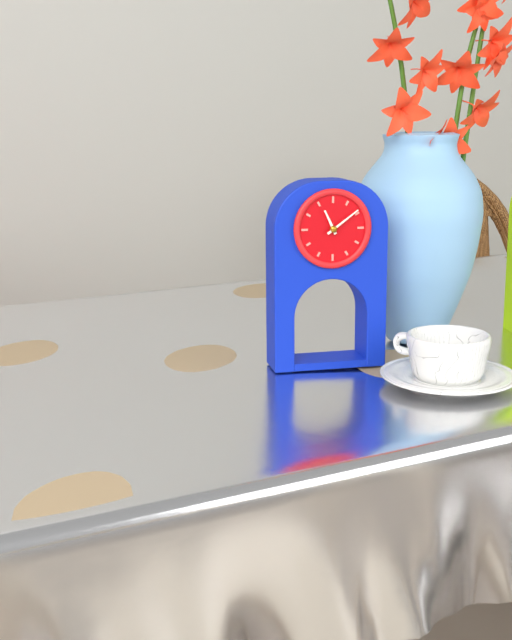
11:09
